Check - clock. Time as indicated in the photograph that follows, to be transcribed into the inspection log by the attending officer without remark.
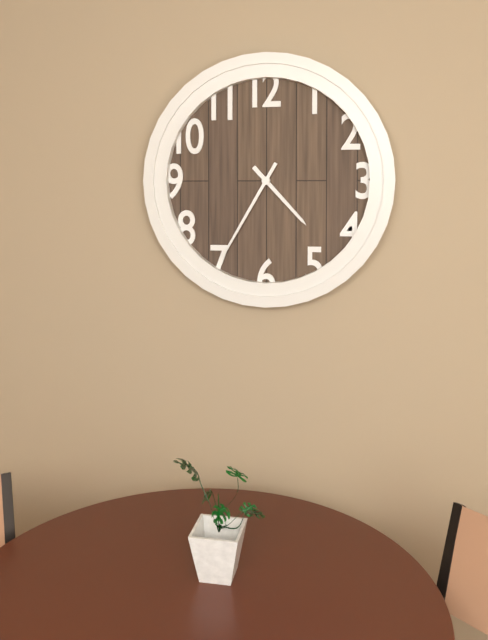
4:35
